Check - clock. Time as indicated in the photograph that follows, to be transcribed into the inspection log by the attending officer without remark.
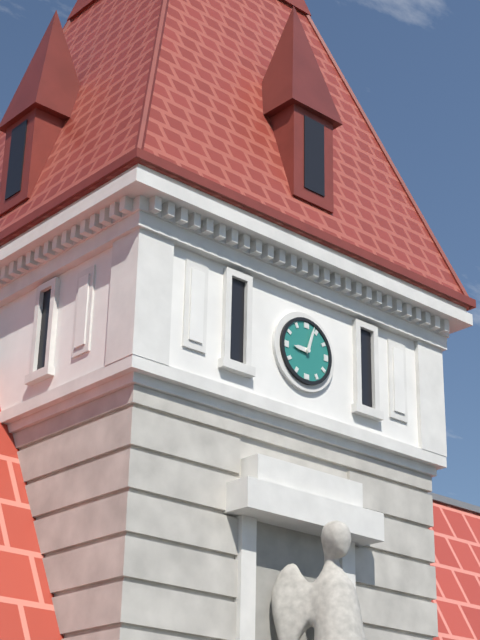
9:03
